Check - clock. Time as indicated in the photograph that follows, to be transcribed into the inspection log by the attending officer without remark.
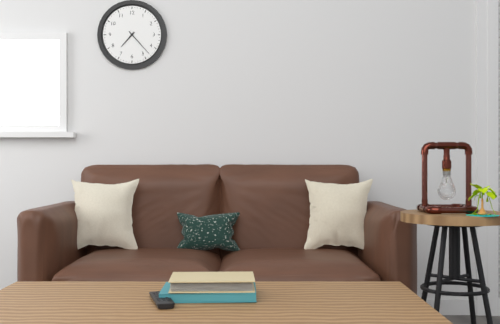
7:23
